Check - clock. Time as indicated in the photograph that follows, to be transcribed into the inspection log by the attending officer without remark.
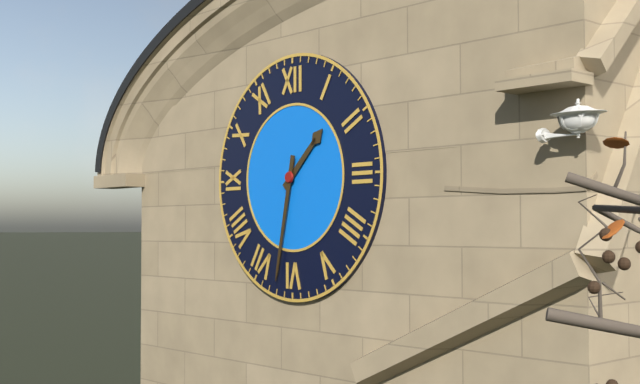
1:32
